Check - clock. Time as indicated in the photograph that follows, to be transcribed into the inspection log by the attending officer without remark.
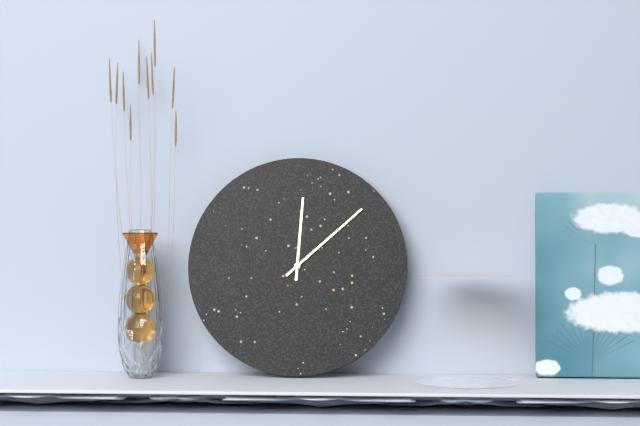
12:08
